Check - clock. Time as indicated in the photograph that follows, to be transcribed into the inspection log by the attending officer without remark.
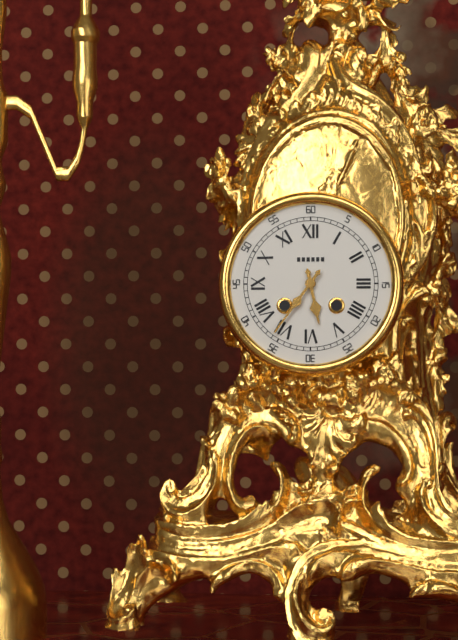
5:36
